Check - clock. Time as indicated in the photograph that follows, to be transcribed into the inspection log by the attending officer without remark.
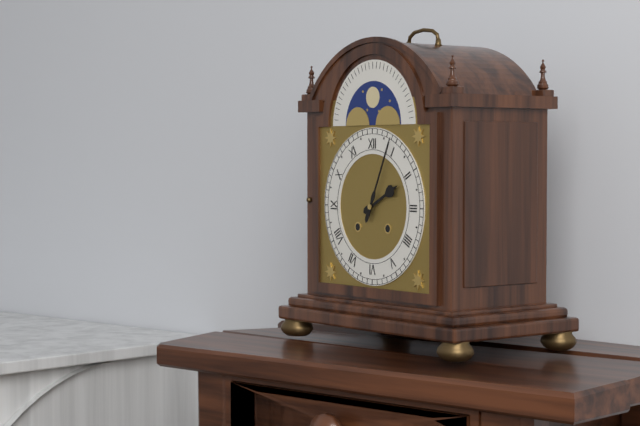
2:04
